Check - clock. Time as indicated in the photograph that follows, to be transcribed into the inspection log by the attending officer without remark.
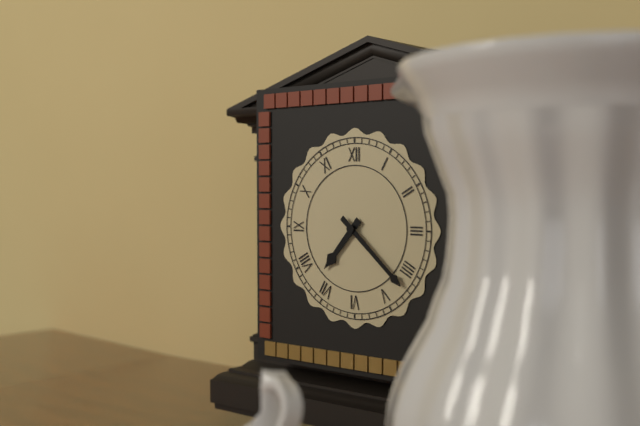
7:22
